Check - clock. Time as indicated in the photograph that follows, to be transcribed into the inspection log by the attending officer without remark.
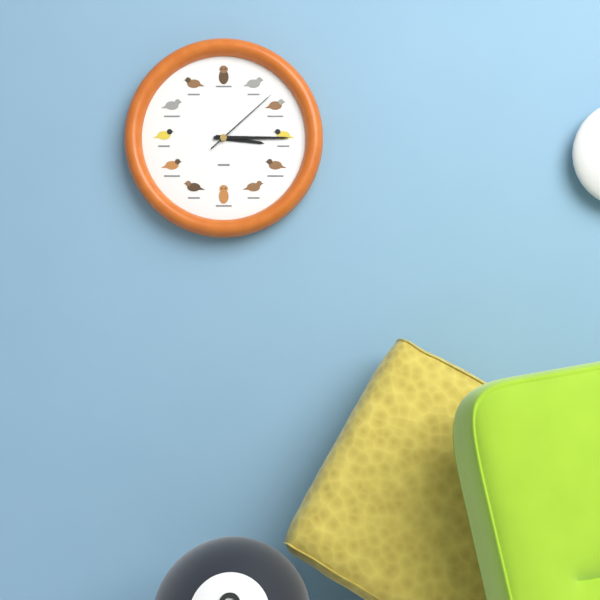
3:15:08
